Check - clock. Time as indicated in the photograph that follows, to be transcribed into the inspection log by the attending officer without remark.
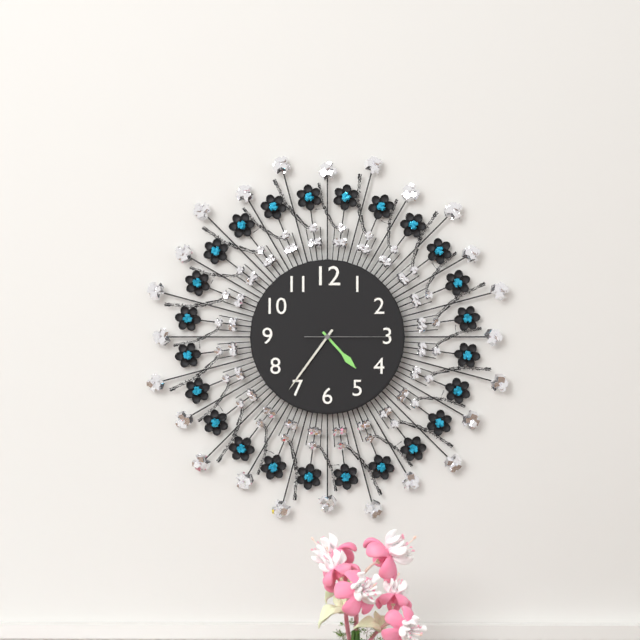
4:36:15
